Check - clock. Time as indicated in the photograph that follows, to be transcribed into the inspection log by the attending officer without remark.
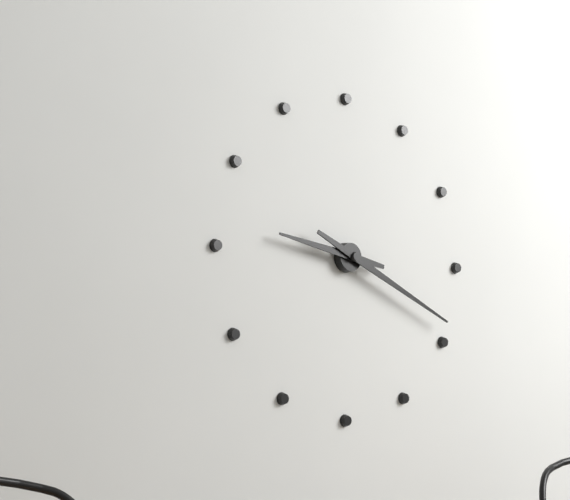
9:19
